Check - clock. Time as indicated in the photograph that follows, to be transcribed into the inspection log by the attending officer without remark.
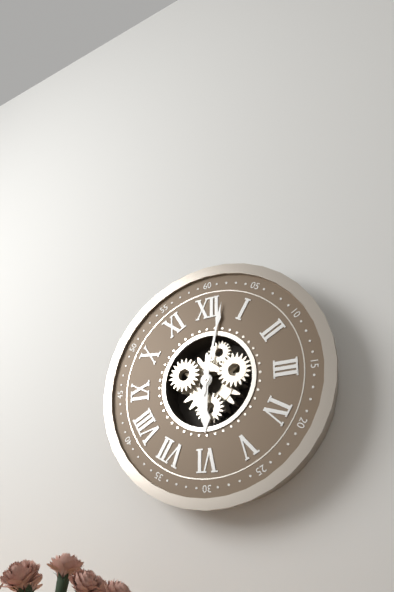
6:02
